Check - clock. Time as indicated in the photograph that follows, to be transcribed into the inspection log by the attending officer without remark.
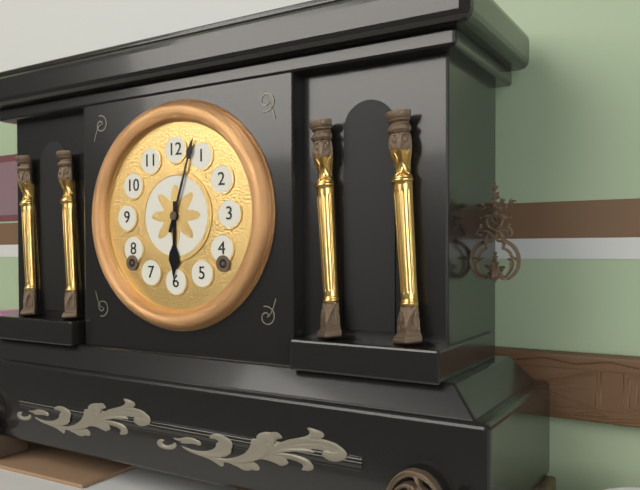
6:03
